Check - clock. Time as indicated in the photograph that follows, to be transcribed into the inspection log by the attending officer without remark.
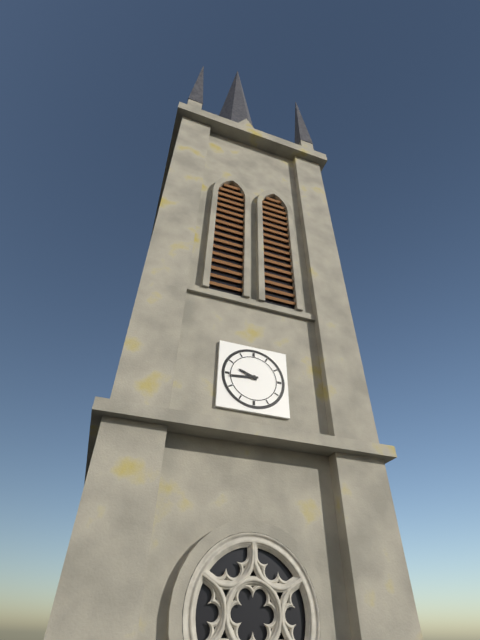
9:44
